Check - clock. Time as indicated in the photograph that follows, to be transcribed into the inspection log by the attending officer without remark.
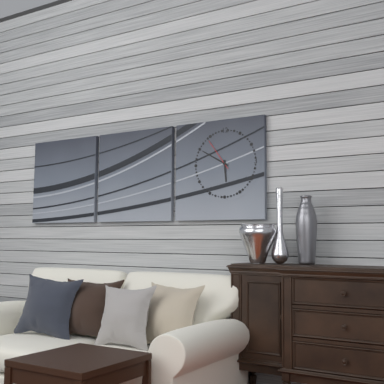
5:50
